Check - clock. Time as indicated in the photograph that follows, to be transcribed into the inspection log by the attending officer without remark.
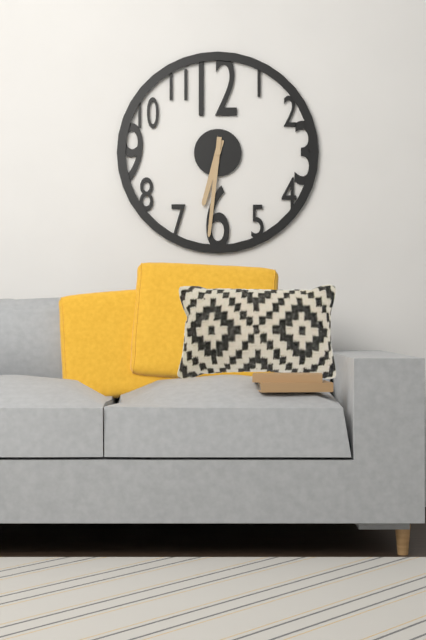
6:31
